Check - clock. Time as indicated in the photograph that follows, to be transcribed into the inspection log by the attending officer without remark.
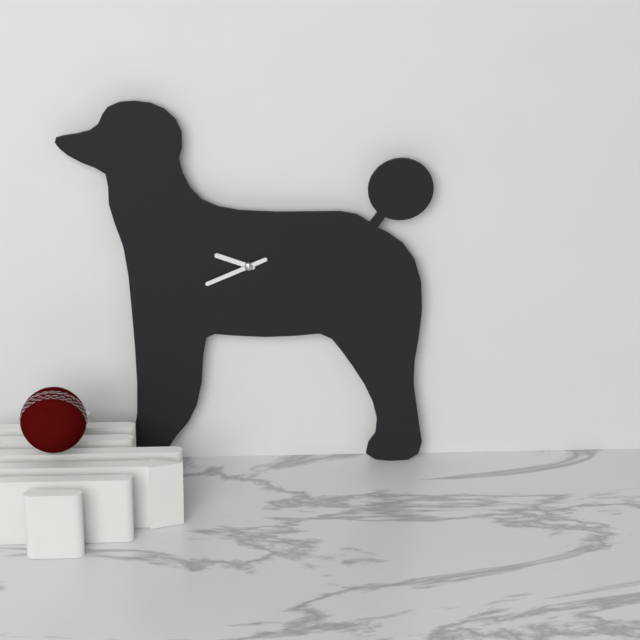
9:41
